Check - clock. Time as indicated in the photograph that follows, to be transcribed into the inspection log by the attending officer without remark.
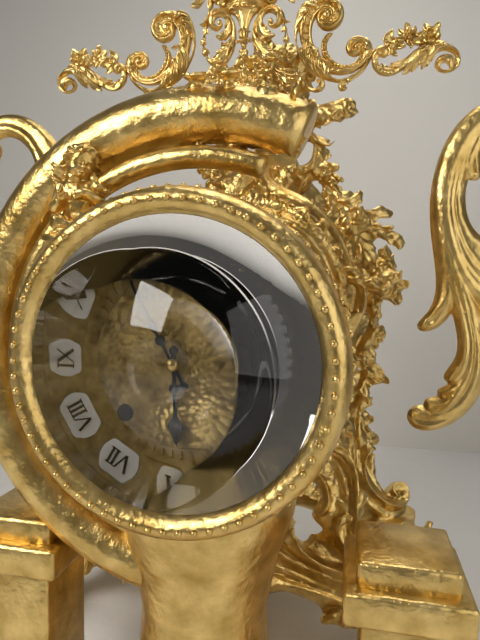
5:55
